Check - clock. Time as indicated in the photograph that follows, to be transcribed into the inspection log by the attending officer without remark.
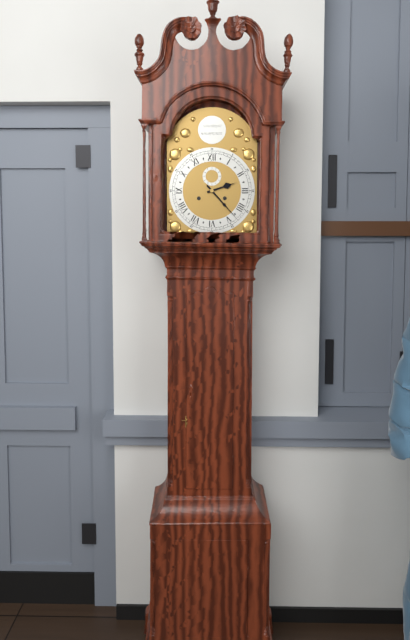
2:23
